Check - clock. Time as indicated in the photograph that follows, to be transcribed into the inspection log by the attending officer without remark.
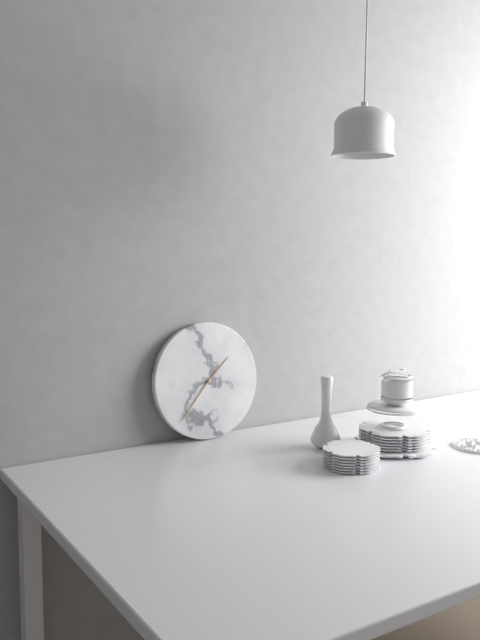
1:37
